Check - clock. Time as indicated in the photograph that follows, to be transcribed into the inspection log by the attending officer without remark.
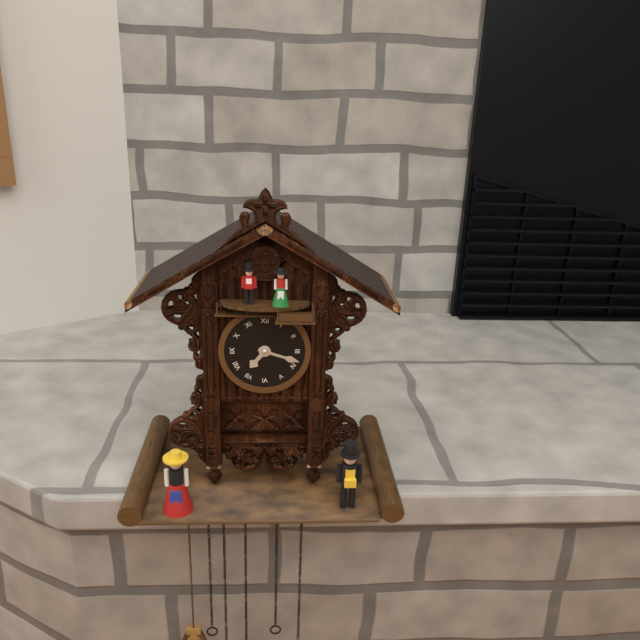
7:18
